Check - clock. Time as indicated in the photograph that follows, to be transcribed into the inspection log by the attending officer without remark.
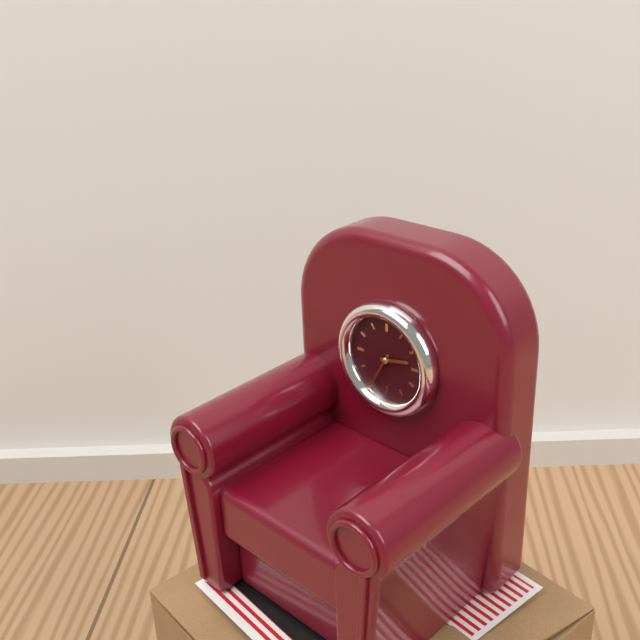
2:35
